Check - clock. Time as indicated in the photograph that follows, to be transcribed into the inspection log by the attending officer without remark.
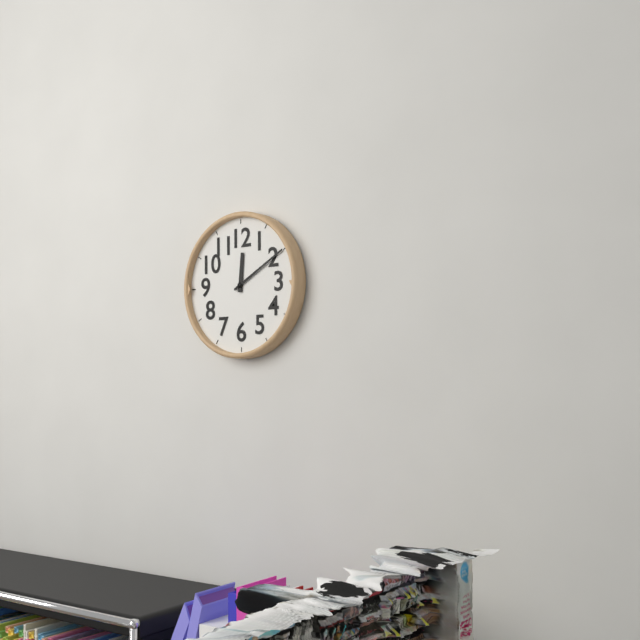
12:10
